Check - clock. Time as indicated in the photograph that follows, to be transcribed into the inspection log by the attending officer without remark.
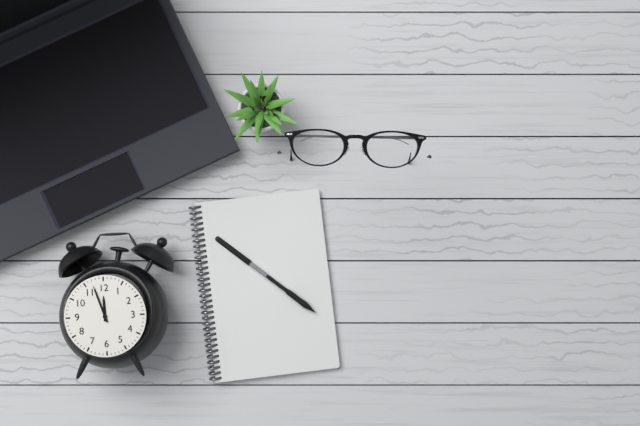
11:57
